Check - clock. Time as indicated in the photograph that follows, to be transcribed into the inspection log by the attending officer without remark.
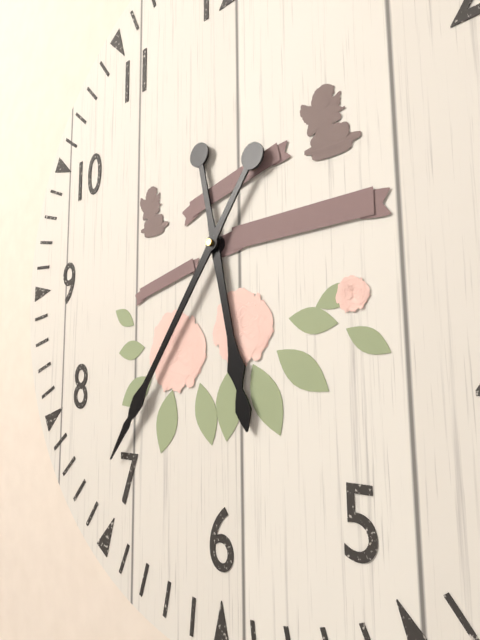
5:36
